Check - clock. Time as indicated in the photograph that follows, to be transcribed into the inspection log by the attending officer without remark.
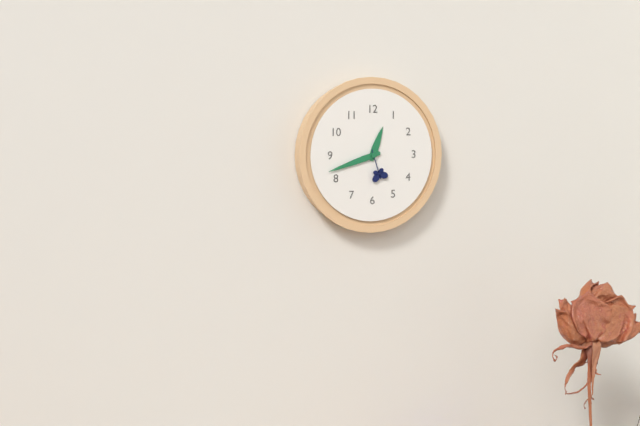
12:42
